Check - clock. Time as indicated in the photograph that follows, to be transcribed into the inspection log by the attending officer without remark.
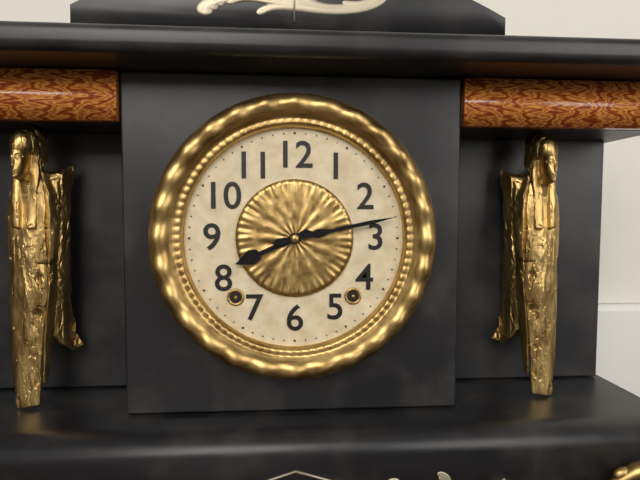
8:13
